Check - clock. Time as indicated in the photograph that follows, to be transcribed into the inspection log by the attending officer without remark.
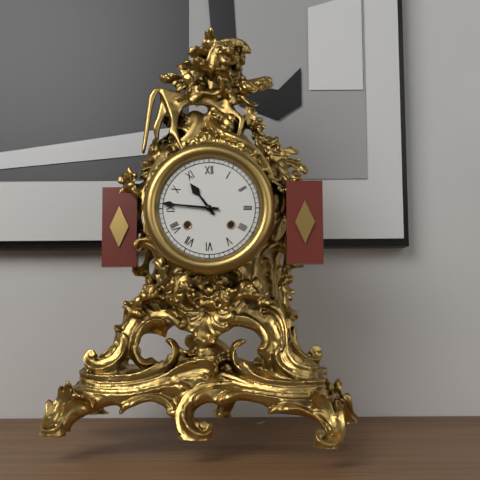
10:46
